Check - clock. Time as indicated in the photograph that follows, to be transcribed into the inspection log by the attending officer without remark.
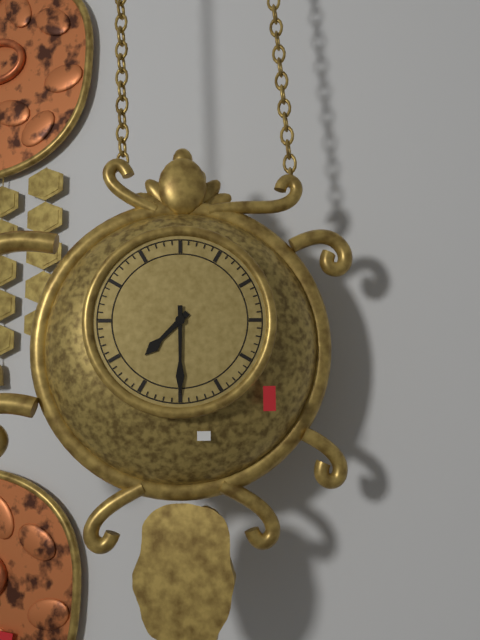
7:30
